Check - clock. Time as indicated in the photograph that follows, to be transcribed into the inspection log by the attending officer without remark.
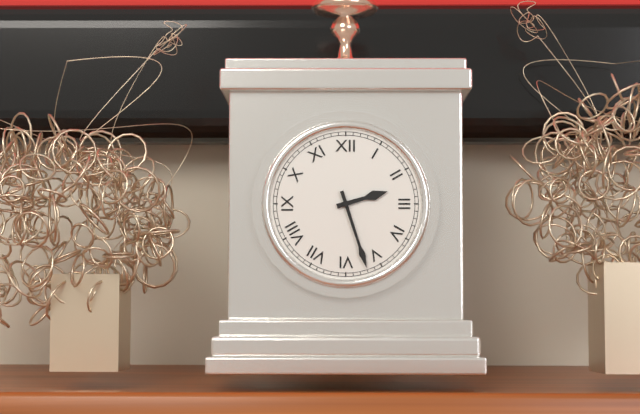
2:27
